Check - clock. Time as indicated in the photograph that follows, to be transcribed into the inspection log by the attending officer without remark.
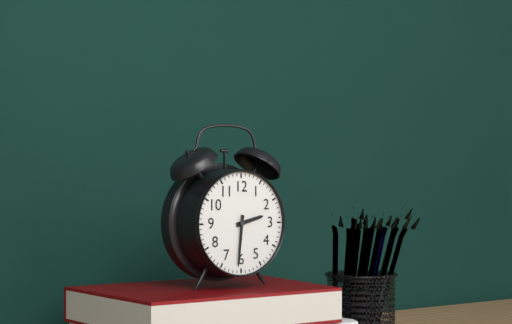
2:31
